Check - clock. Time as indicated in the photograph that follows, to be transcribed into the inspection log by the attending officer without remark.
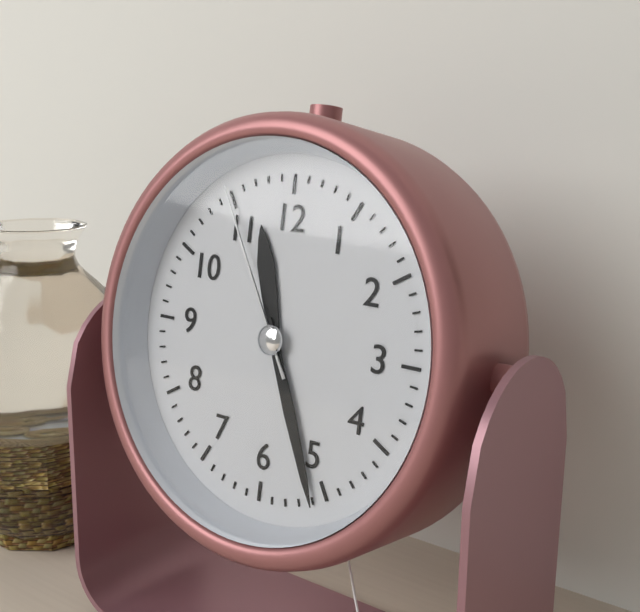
11:26:55
